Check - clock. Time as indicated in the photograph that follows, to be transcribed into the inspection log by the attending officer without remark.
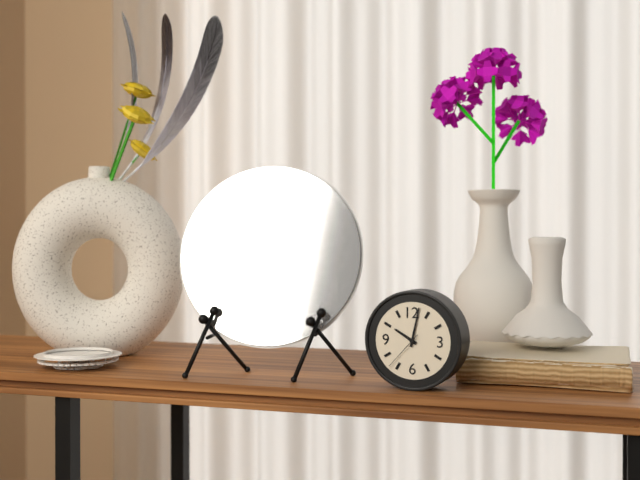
10:02
